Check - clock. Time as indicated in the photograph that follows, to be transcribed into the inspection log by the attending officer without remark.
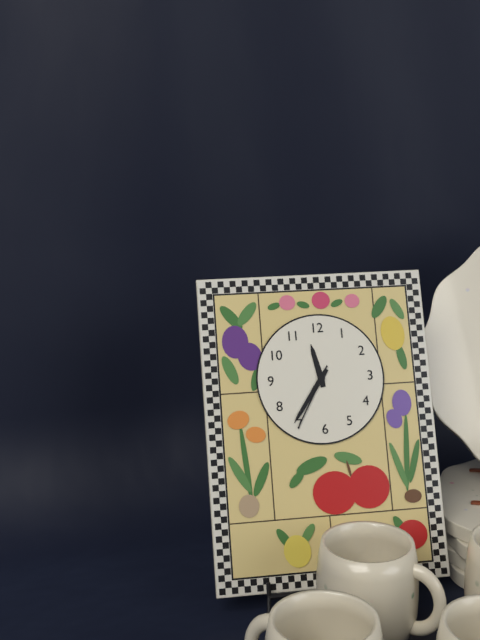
11:36:35
